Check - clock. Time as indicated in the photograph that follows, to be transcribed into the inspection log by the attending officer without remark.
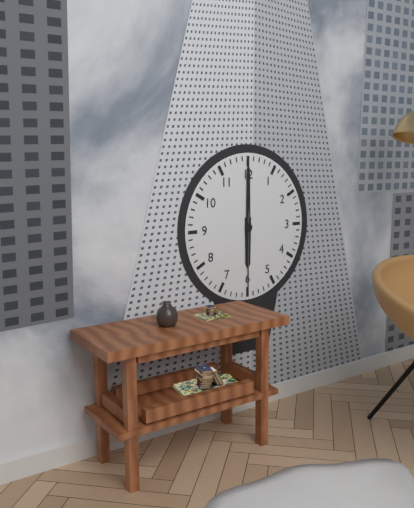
6:00:30
